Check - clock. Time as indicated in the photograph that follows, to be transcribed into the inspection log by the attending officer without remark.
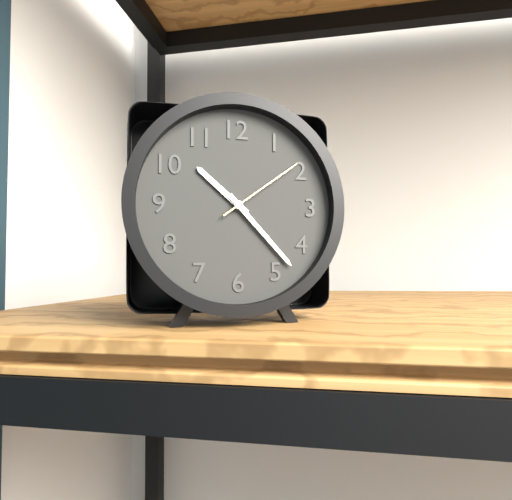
10:23:09
